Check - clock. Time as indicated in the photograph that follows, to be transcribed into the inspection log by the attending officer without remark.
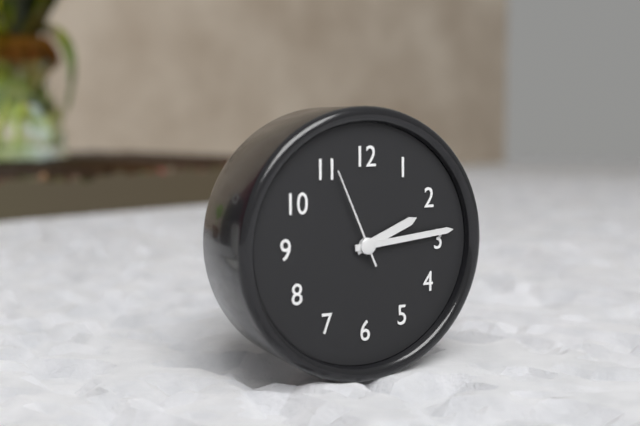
2:14:56
